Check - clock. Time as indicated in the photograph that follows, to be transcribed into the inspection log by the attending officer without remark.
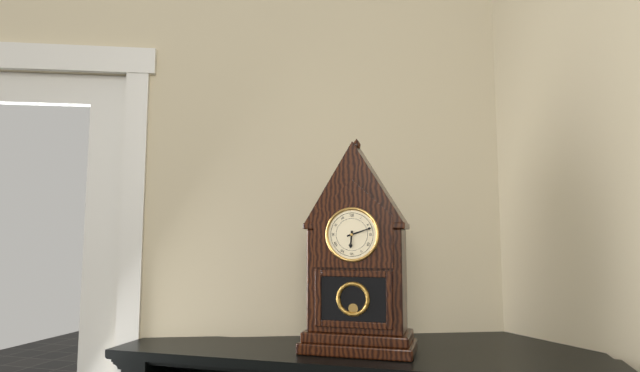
6:12
